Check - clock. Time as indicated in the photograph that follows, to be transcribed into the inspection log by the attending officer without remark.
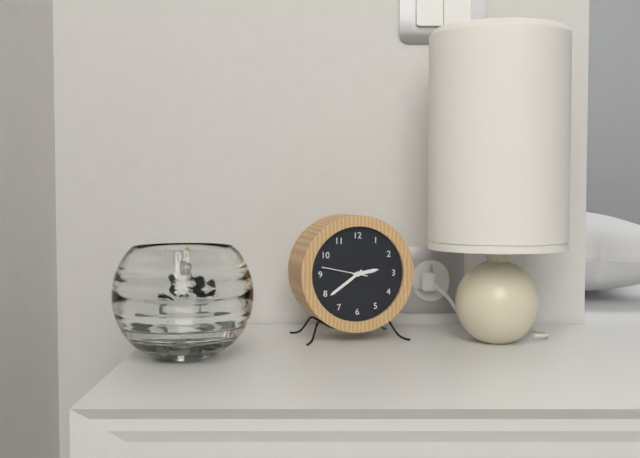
2:39
